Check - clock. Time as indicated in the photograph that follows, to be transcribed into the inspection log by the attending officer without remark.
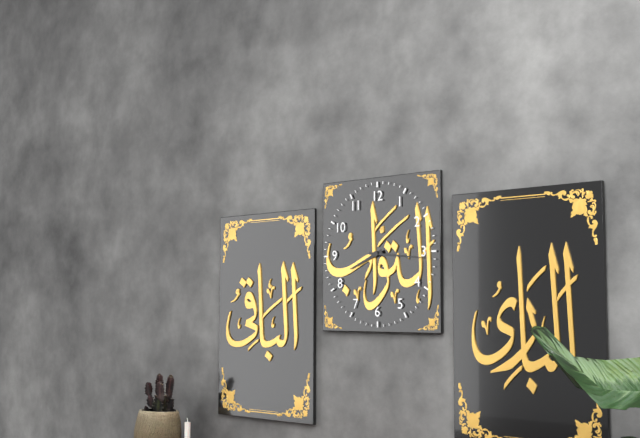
8:16
